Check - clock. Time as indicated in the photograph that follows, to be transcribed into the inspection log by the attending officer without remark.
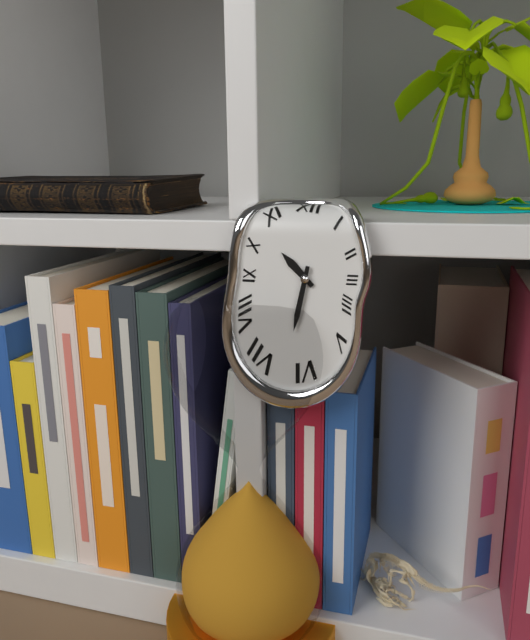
10:32
